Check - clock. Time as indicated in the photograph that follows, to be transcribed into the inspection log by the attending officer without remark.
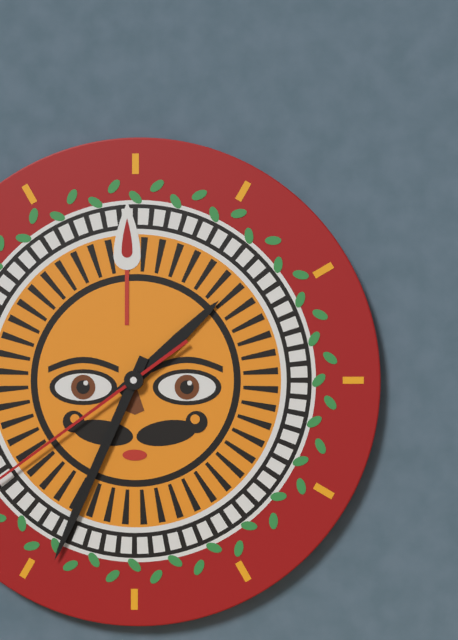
1:34
